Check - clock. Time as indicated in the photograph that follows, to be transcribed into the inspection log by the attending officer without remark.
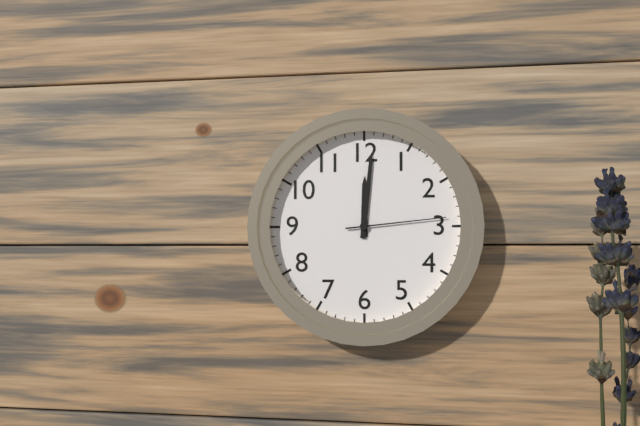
12:01:14
